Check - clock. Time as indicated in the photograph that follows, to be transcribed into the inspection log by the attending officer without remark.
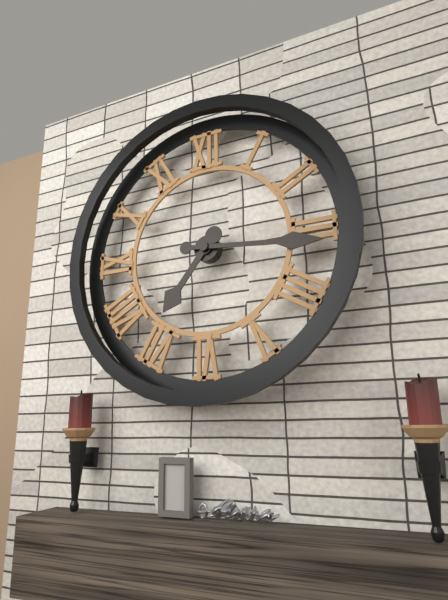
7:16
